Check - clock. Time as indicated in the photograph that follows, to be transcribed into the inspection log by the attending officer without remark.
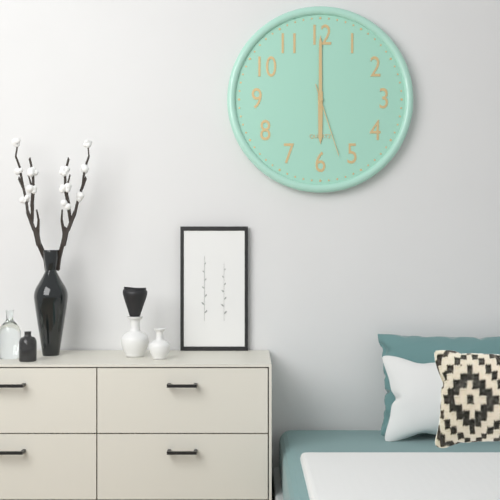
6:00:27
